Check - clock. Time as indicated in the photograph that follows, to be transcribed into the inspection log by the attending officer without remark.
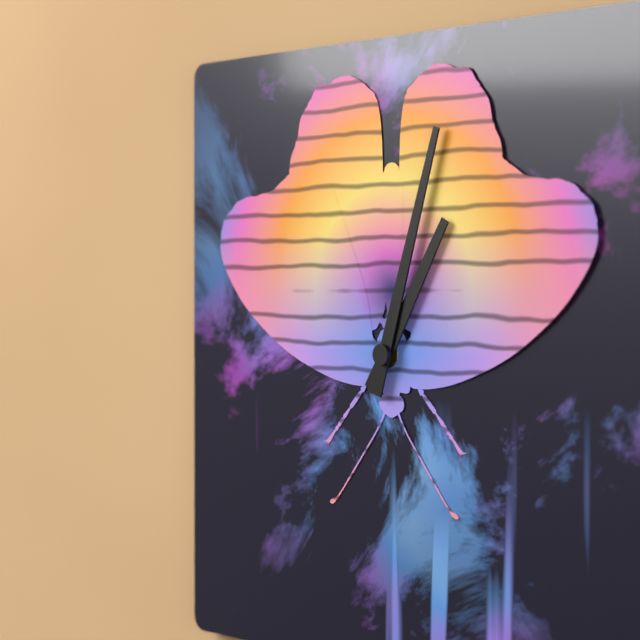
1:03
